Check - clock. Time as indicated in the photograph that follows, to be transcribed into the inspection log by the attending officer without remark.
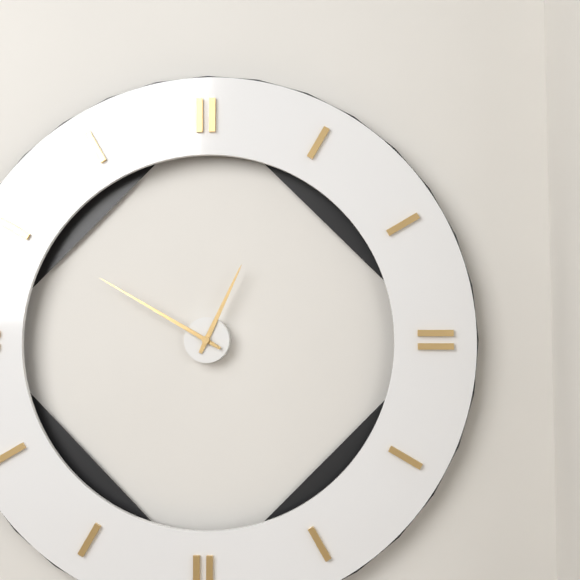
12:50
